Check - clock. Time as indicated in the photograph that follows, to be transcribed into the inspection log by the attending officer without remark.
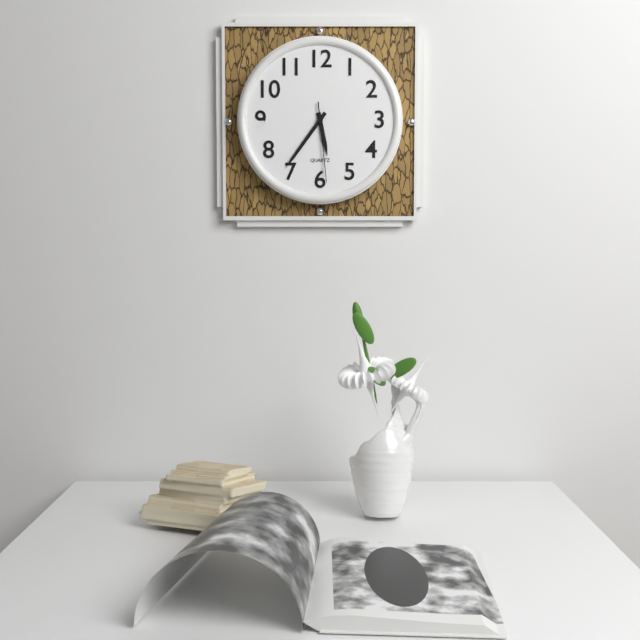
5:36:29
